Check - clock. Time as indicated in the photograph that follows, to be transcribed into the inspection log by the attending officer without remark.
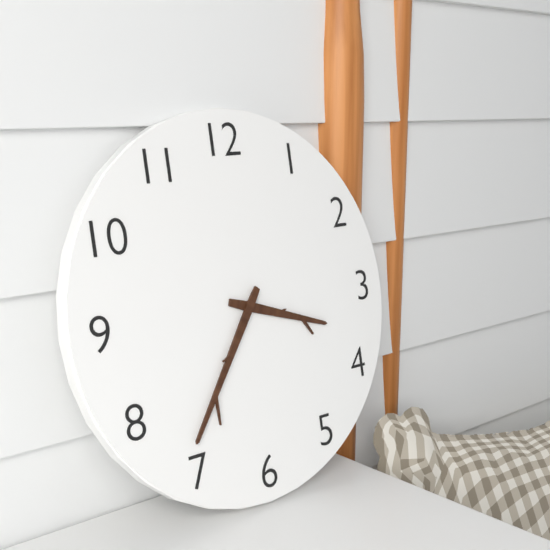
3:36
